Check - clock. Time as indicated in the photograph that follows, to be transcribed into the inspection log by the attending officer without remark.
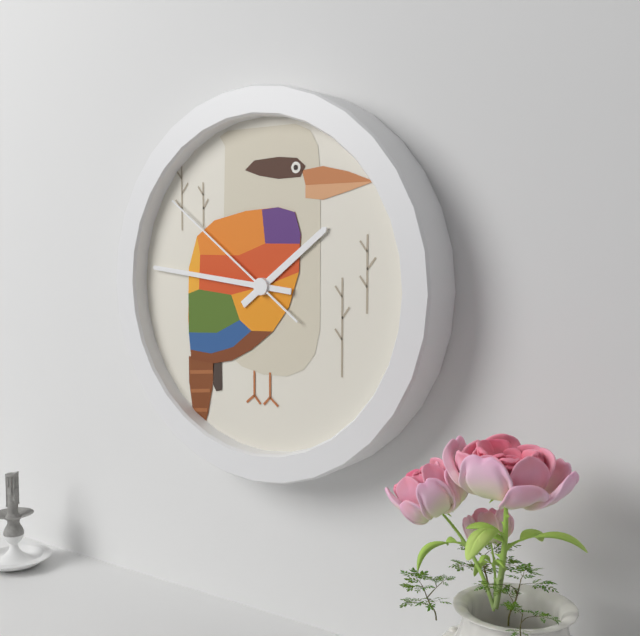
1:46:51
